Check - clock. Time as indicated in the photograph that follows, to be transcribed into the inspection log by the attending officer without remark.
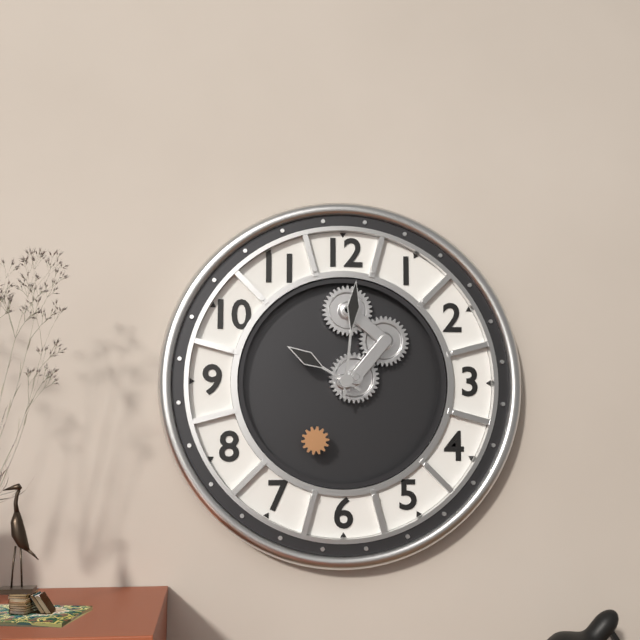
10:01
